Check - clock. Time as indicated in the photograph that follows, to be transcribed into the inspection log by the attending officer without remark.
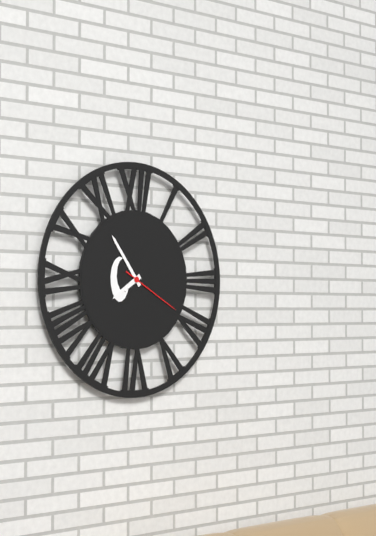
7:54:20
